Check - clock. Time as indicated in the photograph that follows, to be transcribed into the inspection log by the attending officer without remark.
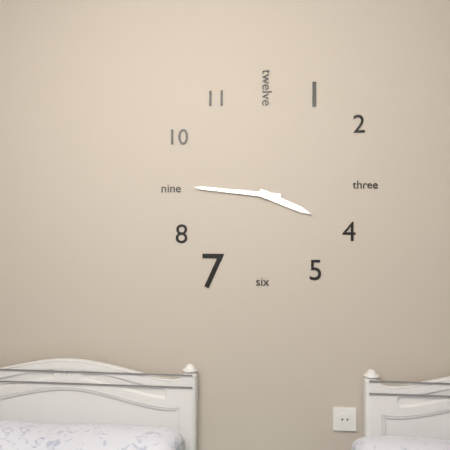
3:46
